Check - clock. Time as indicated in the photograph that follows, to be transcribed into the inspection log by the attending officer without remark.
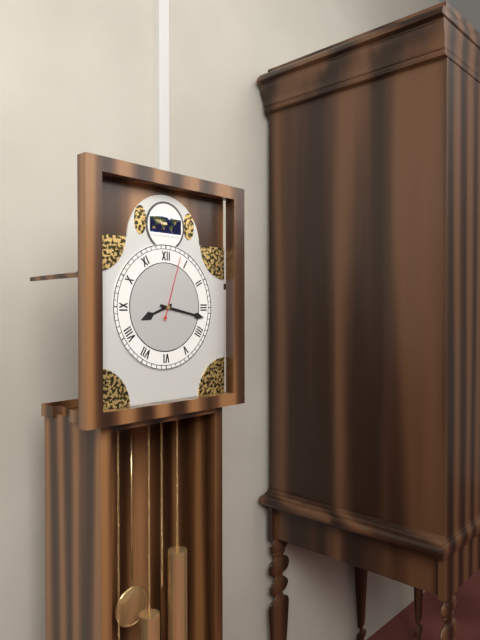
8:17:03
